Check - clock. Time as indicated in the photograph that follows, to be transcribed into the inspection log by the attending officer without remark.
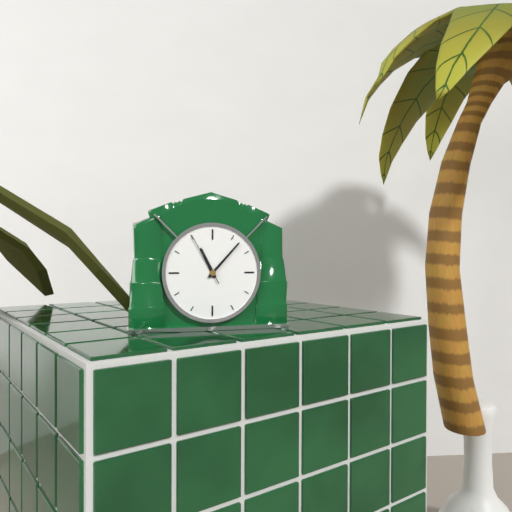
11:07:55
